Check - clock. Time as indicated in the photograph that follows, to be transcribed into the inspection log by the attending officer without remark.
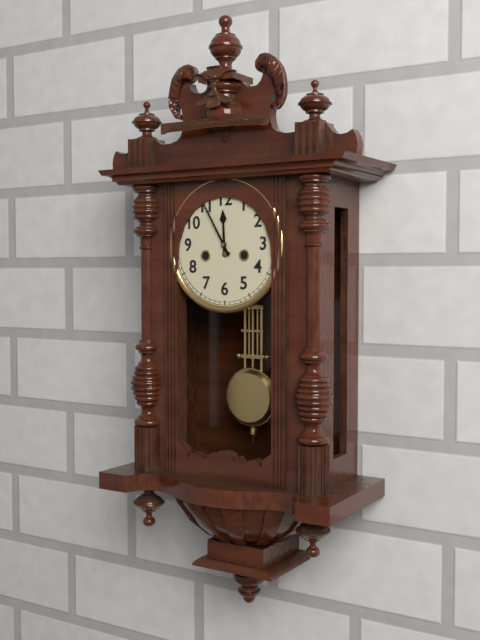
11:55
